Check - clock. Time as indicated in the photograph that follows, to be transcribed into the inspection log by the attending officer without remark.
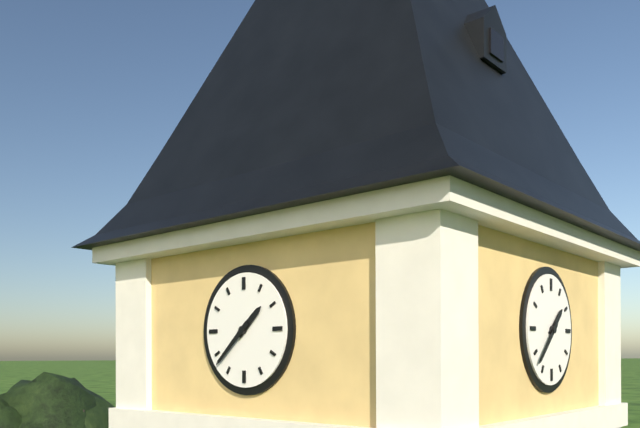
1:38
